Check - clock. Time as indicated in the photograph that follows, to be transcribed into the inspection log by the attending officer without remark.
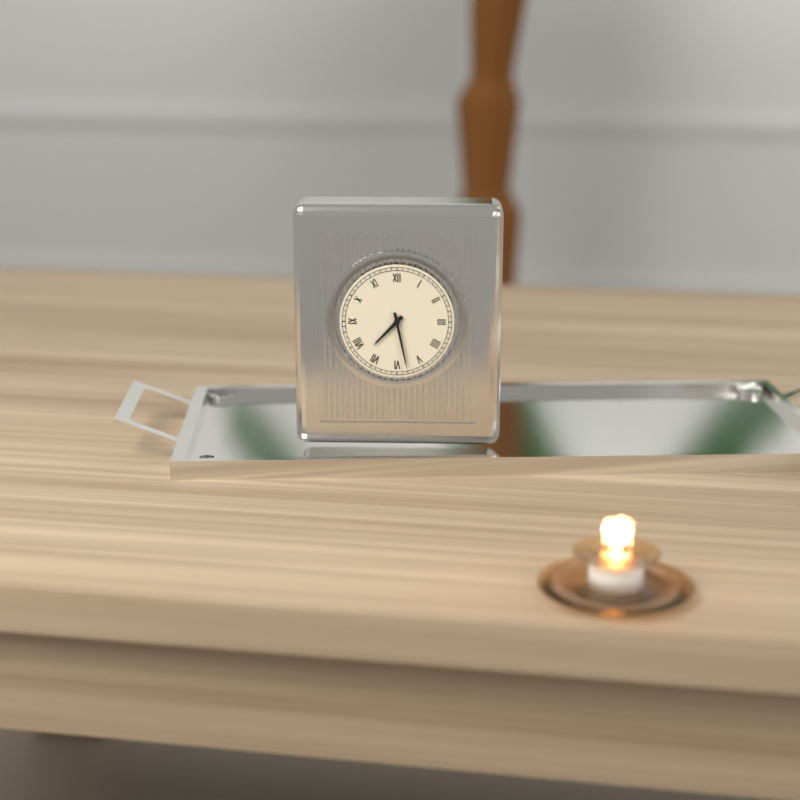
7:28
